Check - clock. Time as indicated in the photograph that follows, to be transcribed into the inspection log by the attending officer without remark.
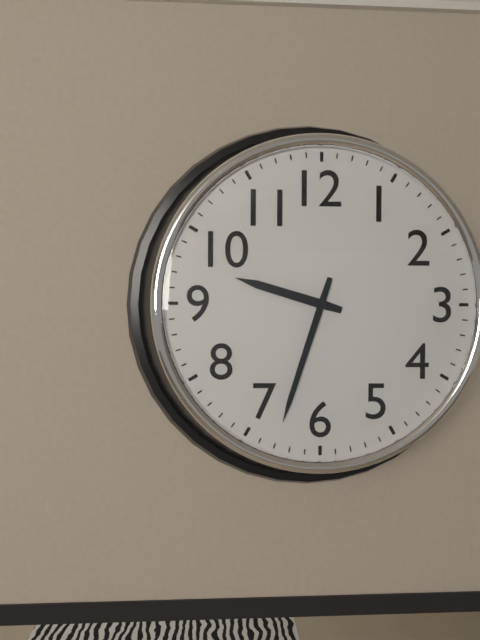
9:33
